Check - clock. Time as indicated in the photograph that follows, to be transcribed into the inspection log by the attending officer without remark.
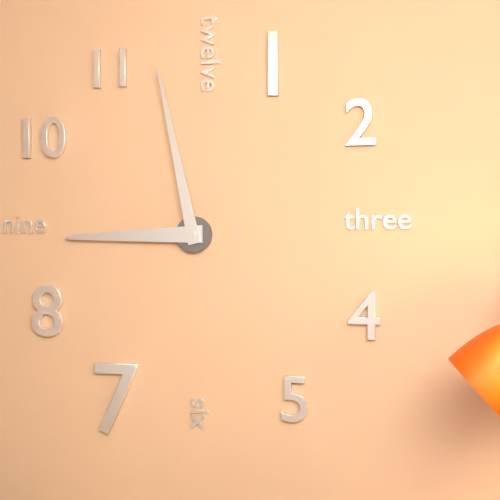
8:58
